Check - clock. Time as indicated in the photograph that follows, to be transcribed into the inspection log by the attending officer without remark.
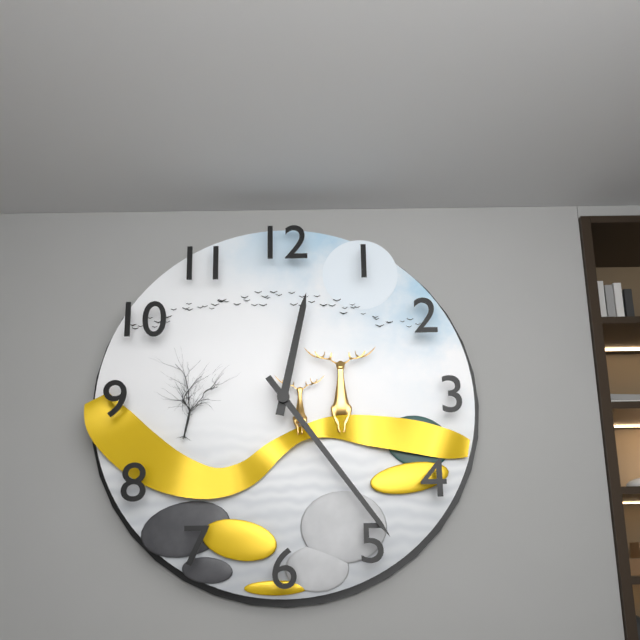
12:24
